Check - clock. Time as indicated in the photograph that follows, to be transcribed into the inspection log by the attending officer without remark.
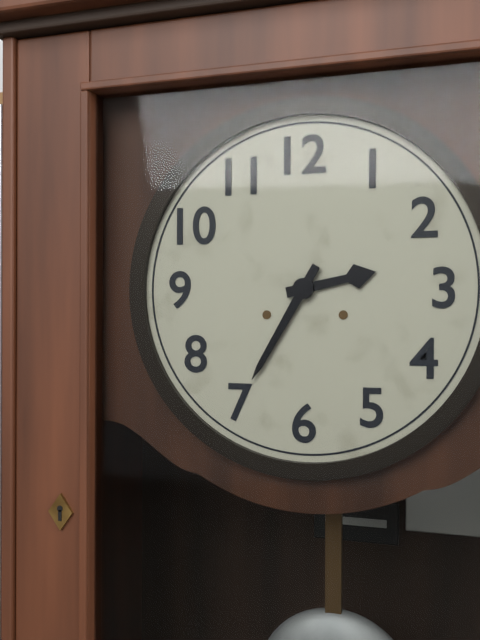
2:35
